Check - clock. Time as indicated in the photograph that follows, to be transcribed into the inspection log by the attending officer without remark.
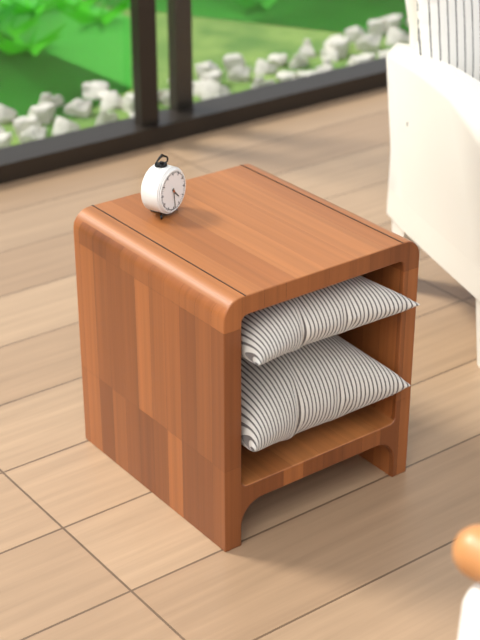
4:29
